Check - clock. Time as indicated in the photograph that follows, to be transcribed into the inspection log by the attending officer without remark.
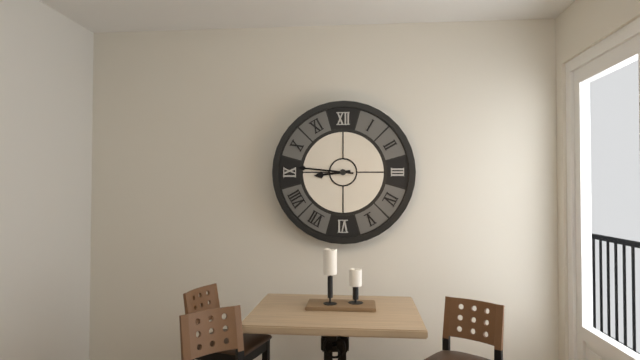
8:46
